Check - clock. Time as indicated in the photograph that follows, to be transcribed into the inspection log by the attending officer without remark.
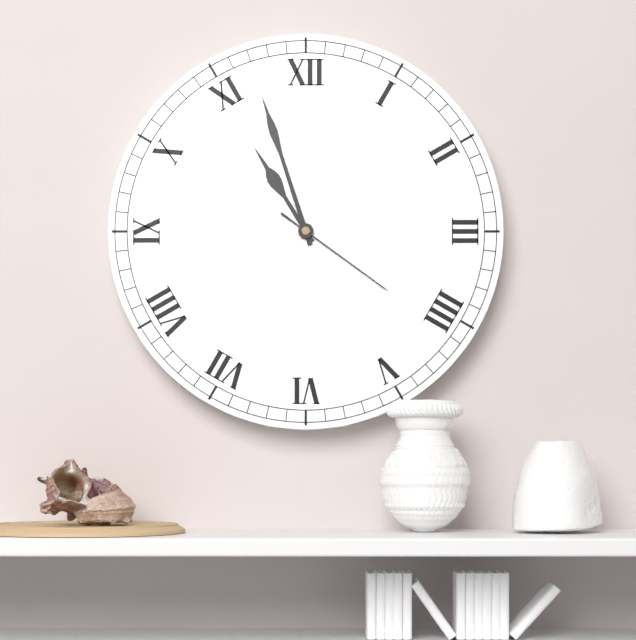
10:57:21
